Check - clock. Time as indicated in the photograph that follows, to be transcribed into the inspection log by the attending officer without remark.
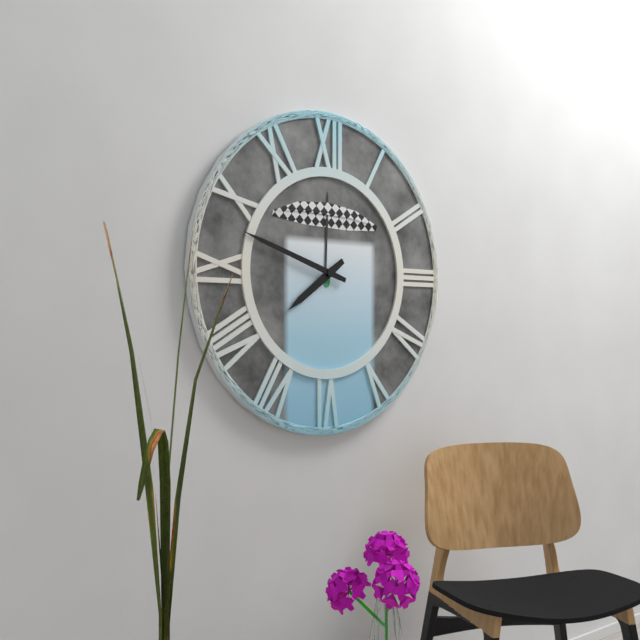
7:48
